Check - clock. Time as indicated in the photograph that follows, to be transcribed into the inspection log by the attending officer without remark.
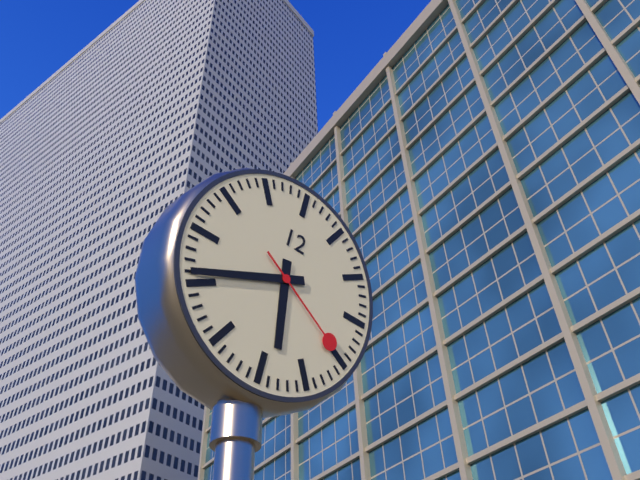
5:41:20
